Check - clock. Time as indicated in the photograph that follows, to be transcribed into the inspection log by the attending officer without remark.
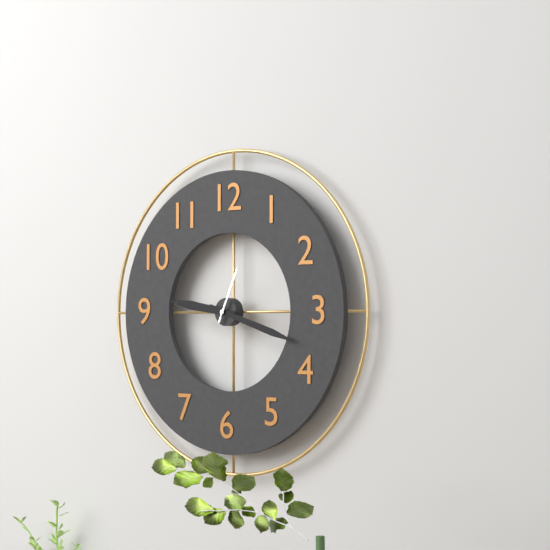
9:18:04
